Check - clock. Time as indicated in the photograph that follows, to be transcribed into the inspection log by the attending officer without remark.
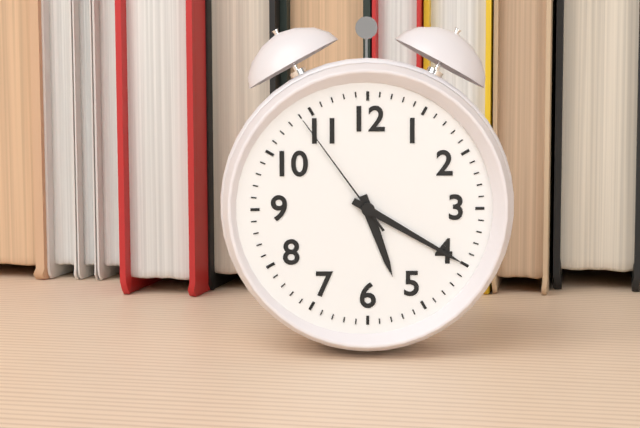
5:20:54
